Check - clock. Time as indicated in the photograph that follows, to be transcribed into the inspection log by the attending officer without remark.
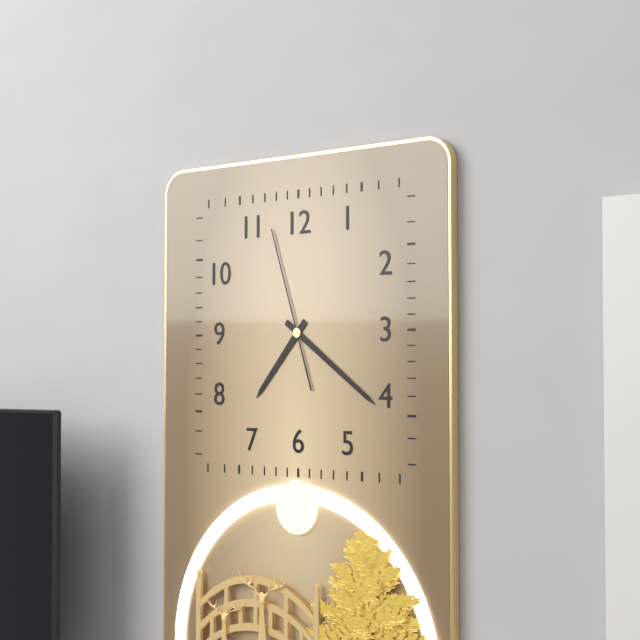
7:21:57
